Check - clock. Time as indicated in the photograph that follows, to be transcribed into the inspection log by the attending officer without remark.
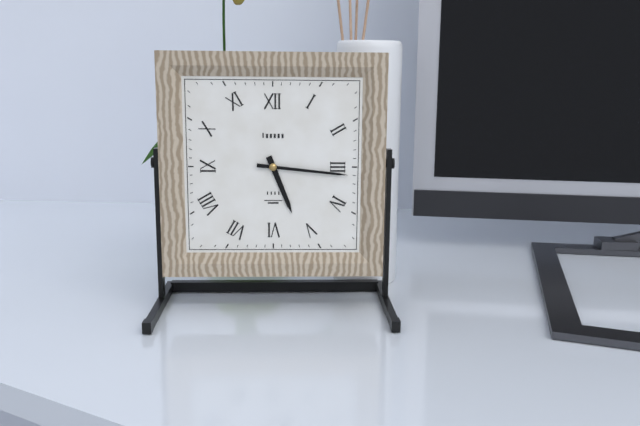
5:16
